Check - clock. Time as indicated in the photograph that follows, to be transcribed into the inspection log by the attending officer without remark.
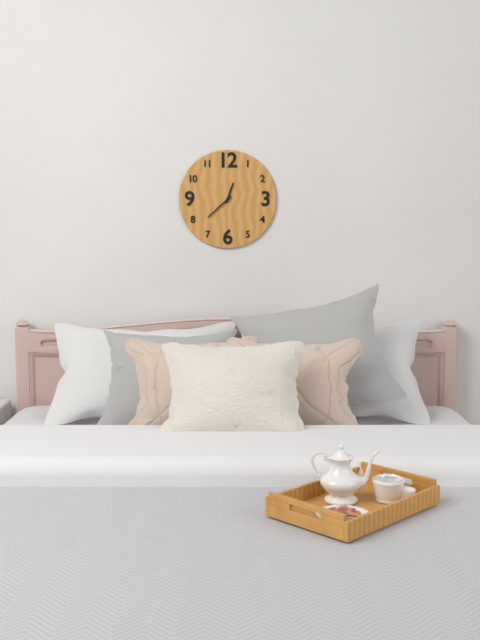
12:38
